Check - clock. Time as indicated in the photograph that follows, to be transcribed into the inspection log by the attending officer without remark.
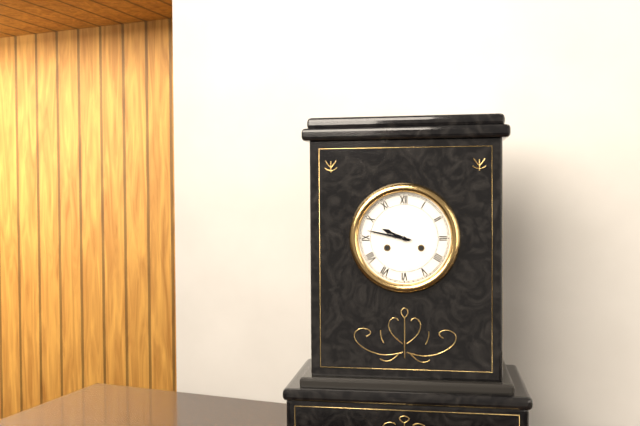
9:47
